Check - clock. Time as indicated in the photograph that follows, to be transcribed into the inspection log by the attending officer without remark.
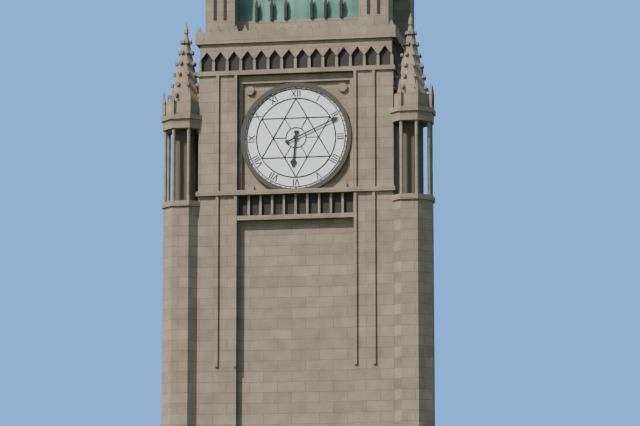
6:11
